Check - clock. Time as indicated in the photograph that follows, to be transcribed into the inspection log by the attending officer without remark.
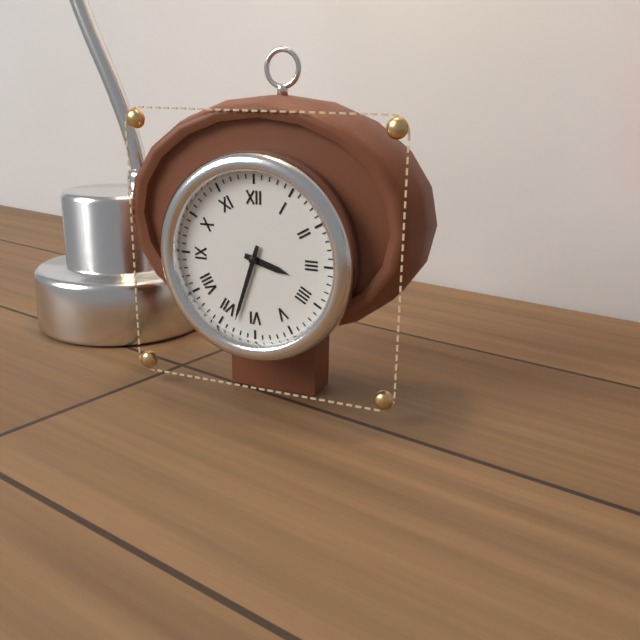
3:33
